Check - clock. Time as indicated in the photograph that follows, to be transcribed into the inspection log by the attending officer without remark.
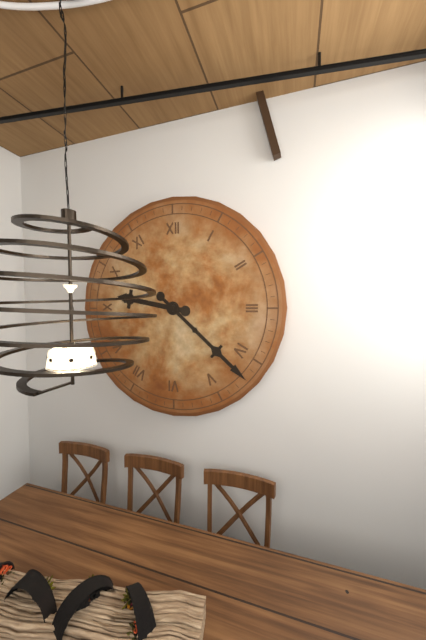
9:22
